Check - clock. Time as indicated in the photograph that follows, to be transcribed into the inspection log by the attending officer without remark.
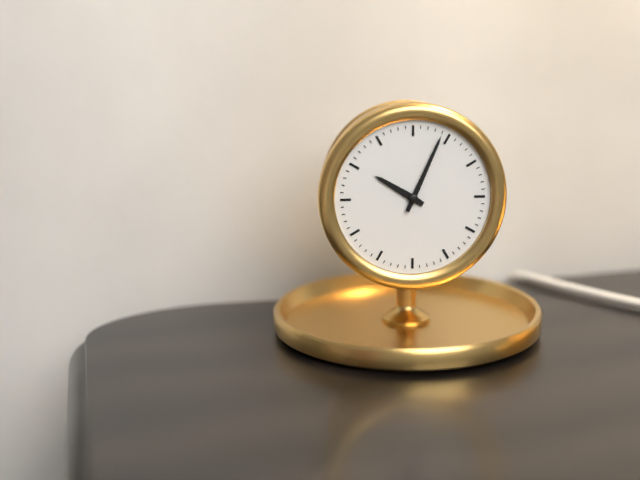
10:04
